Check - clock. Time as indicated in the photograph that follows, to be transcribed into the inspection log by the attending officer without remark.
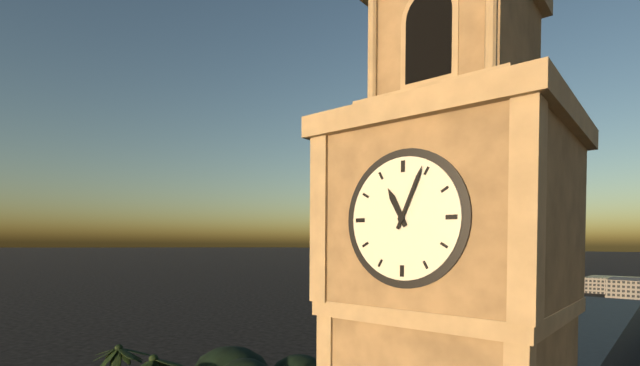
11:04
